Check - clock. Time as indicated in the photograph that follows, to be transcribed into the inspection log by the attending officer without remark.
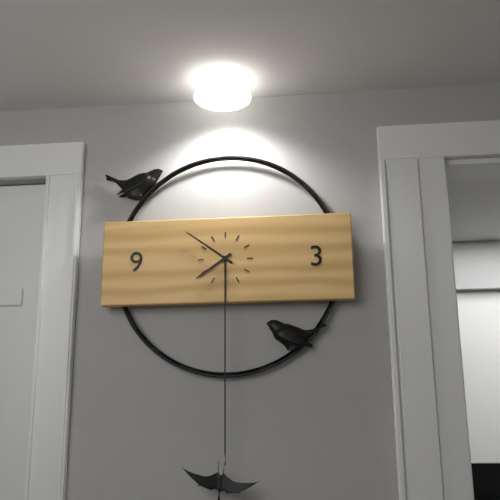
7:51
